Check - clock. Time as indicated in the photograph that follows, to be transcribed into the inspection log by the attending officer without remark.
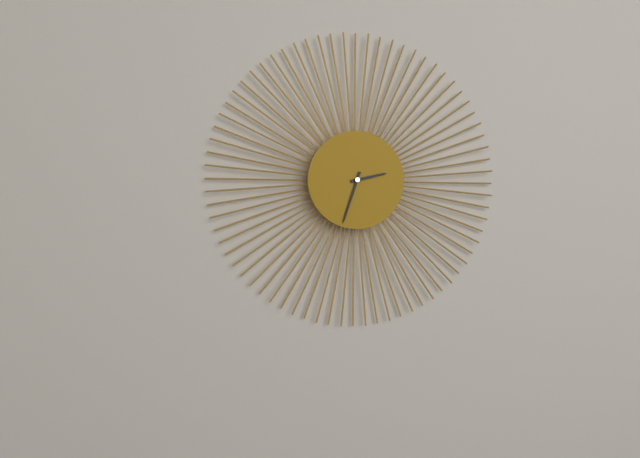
2:33
